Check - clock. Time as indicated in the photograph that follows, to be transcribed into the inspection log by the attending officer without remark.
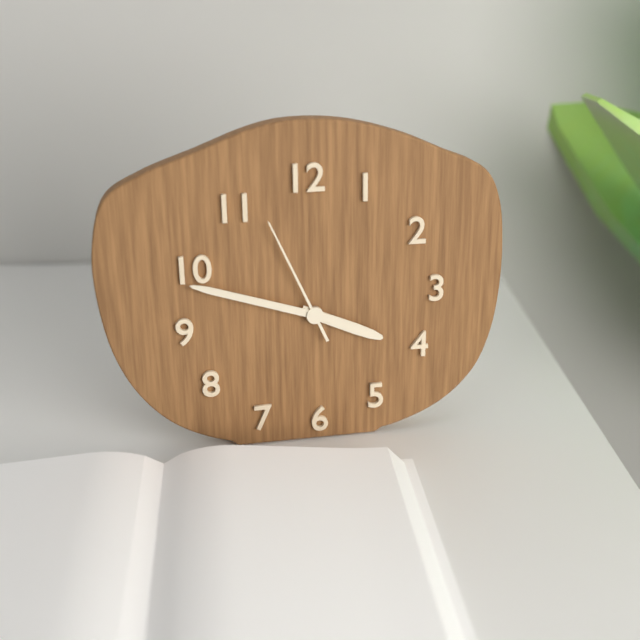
3:48:56
